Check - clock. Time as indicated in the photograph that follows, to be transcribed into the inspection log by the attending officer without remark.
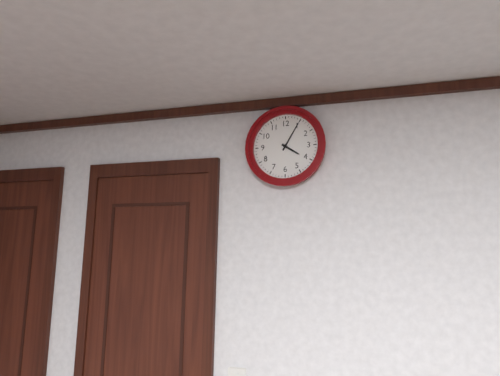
4:05
